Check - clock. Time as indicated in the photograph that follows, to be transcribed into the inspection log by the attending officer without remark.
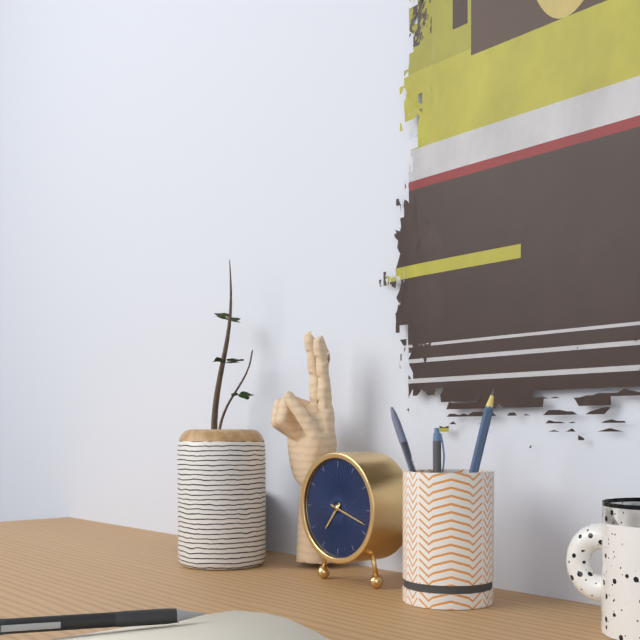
7:18
